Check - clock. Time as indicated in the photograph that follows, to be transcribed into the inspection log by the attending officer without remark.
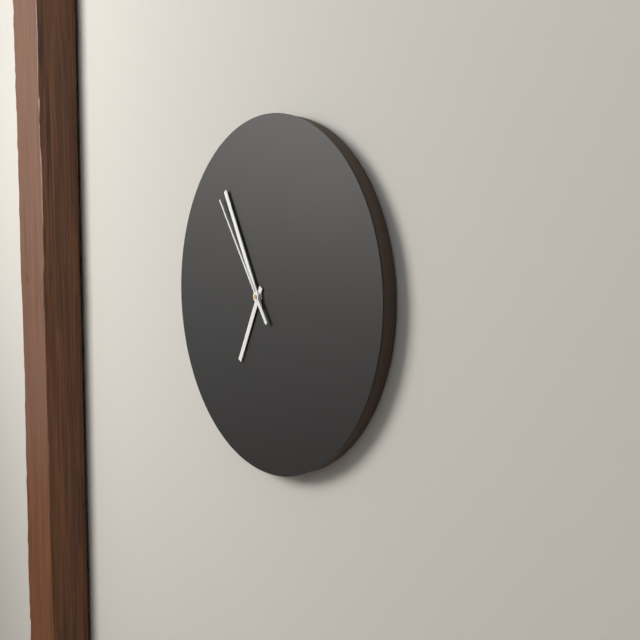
6:55:54
